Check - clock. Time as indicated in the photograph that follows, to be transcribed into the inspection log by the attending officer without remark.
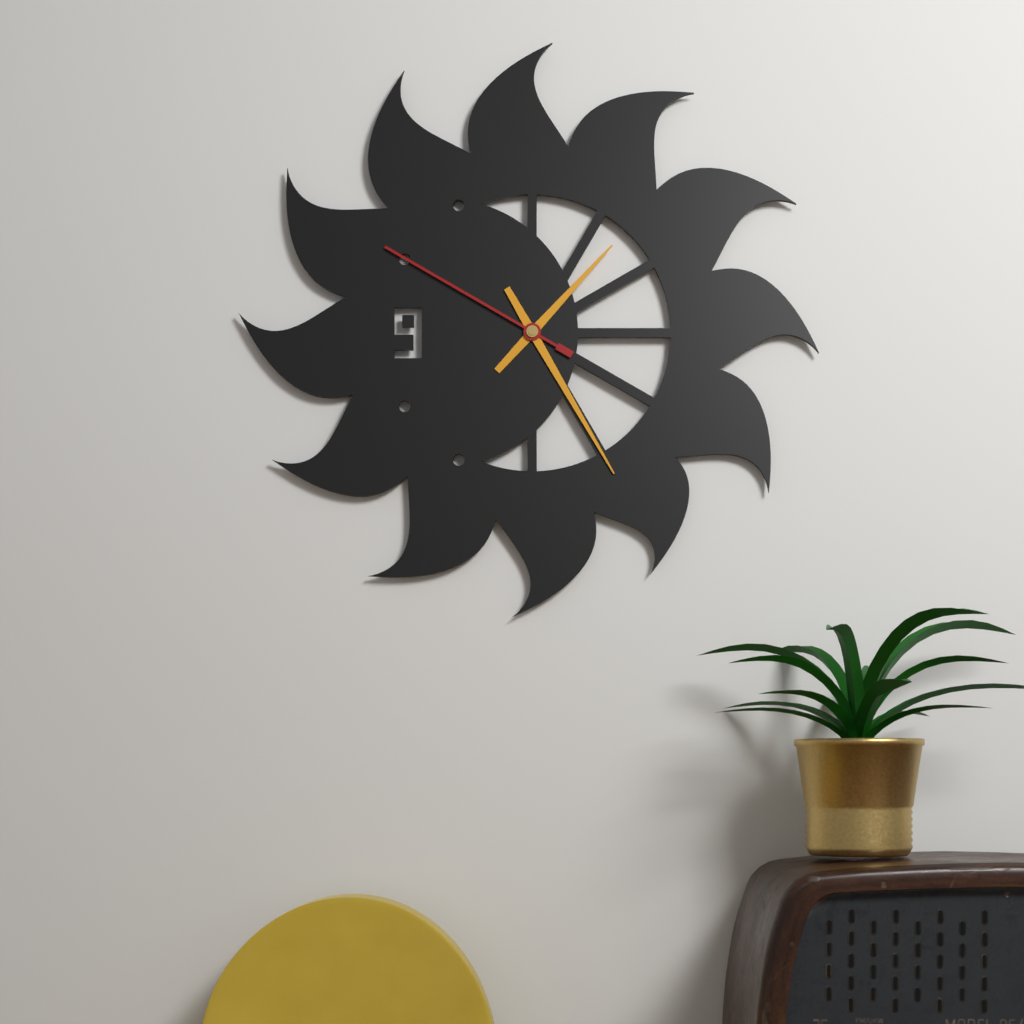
1:25:50
